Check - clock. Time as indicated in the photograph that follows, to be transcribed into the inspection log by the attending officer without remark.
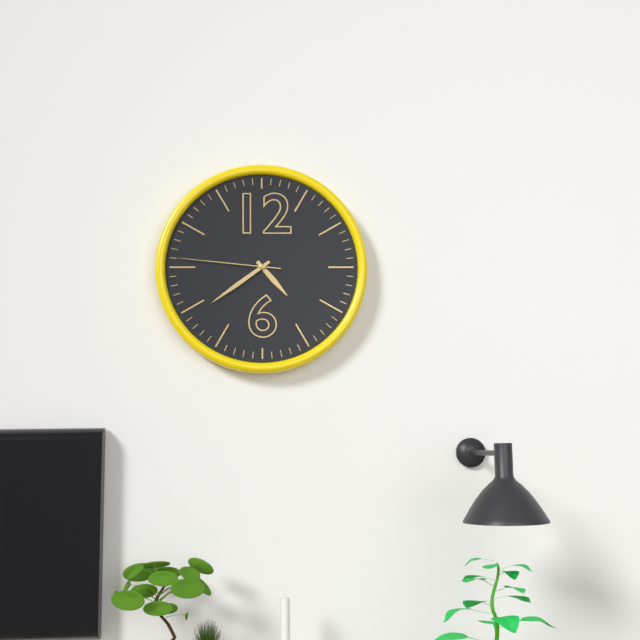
4:39:46
